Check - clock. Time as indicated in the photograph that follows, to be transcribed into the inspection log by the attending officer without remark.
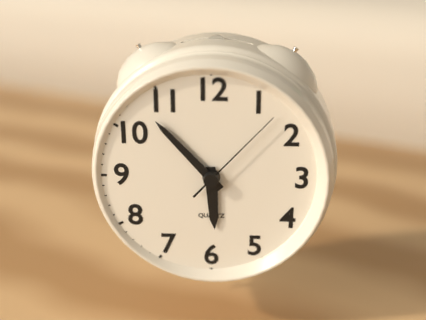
5:53:07
